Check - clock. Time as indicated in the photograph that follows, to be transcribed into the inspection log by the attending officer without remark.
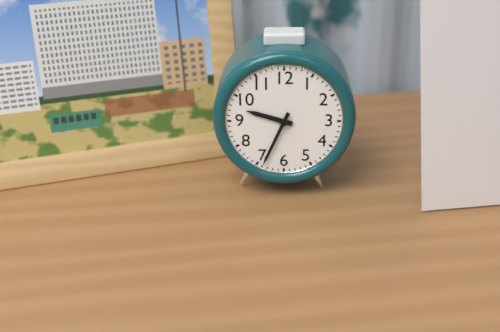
9:34
